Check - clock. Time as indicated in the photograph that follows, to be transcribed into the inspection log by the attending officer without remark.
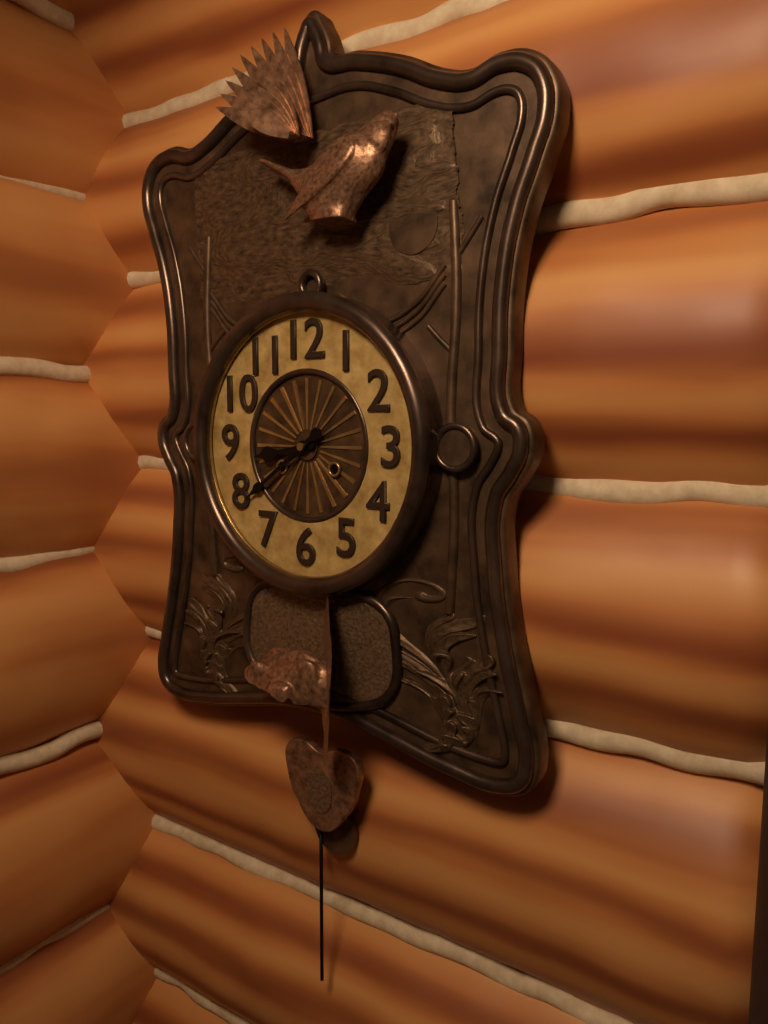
8:39
